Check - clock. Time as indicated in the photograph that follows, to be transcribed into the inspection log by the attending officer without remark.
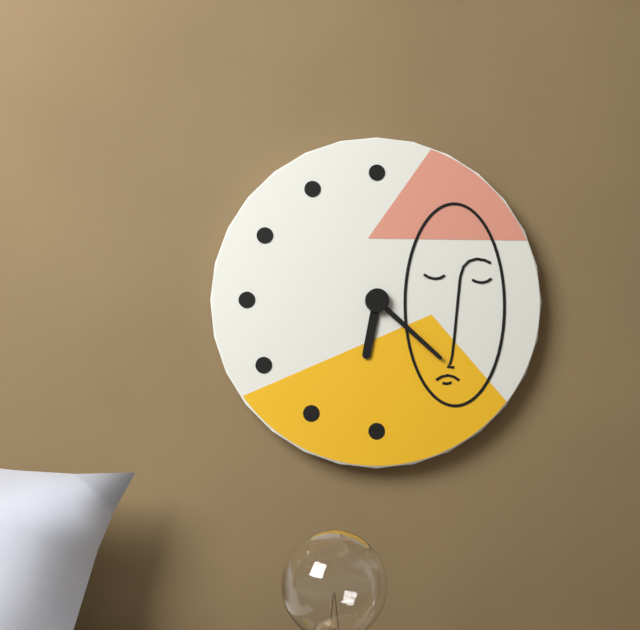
6:22
